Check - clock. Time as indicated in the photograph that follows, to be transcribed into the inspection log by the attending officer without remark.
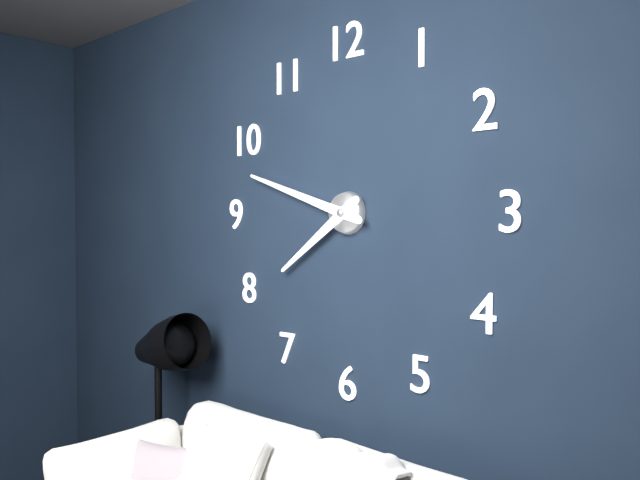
7:48
